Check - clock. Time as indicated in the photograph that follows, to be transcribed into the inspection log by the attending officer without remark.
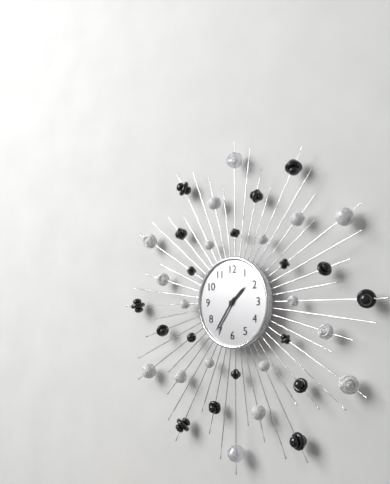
1:36
